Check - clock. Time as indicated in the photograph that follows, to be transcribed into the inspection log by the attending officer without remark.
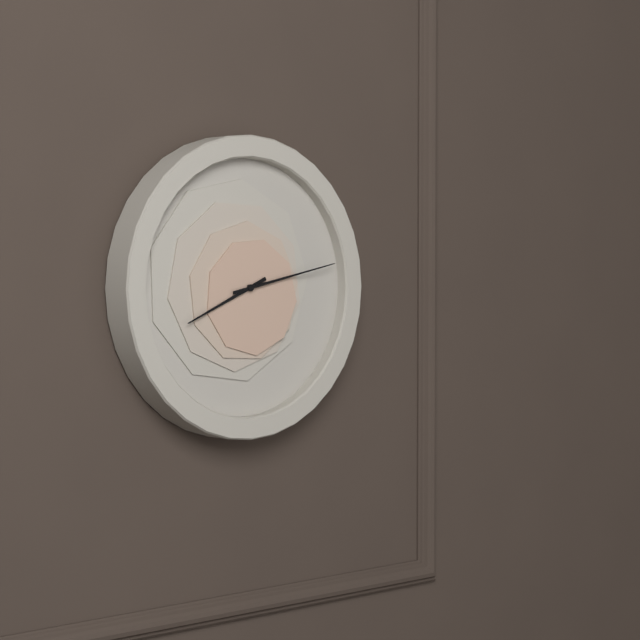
8:13
